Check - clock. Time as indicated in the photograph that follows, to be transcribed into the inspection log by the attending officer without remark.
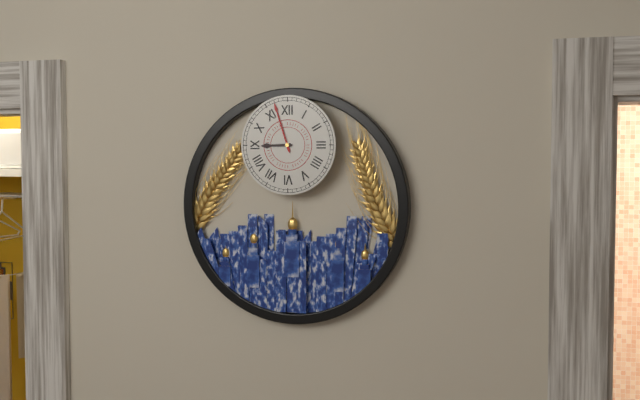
8:57
